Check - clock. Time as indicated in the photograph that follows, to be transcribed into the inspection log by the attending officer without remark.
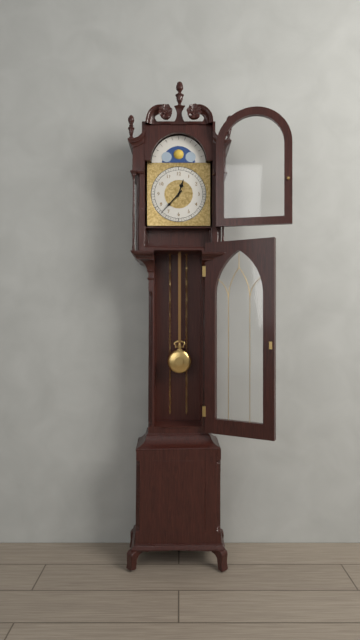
12:37
